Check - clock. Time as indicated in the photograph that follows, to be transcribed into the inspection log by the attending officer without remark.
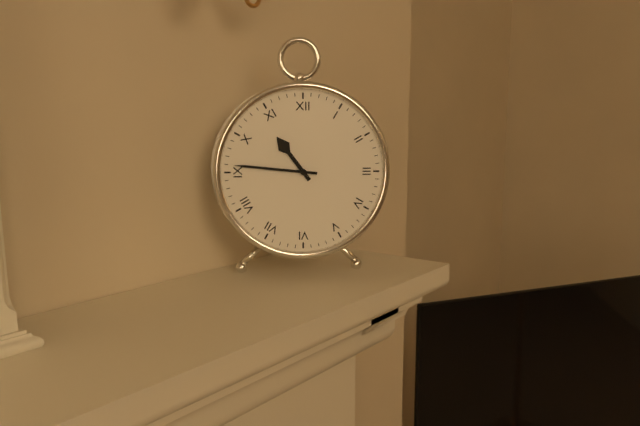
10:46
